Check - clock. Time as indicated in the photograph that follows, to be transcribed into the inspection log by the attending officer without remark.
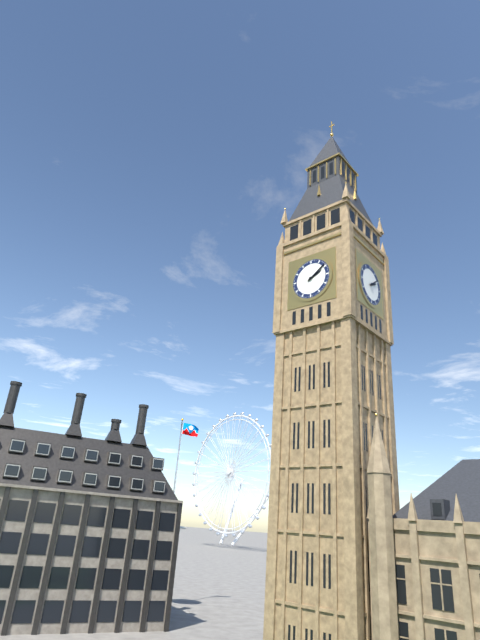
2:09
